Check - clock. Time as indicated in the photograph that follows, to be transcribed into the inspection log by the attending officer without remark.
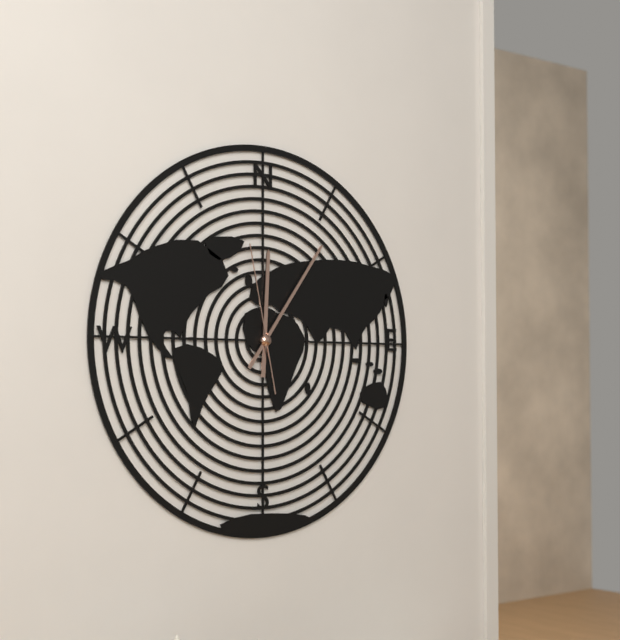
12:06:58
